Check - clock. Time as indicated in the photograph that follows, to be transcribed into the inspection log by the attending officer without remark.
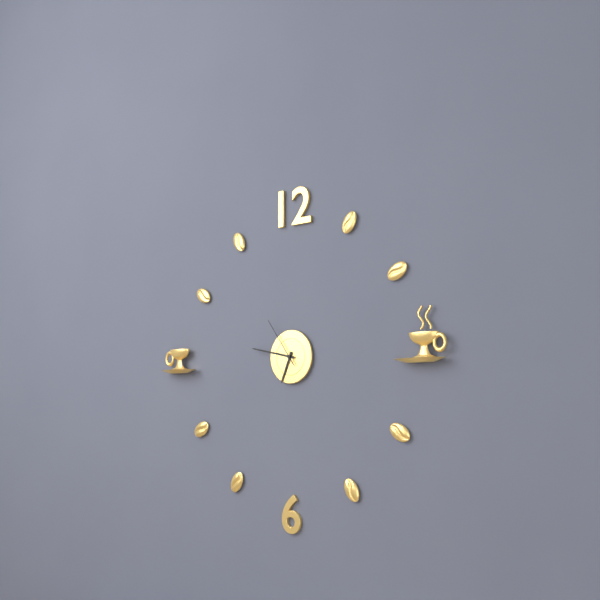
6:47:54
